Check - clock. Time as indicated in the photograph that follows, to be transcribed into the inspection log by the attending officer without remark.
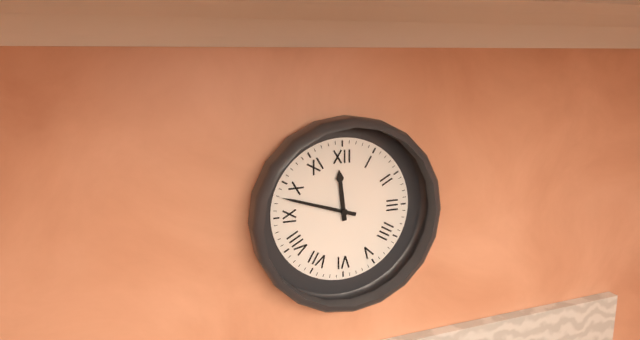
11:48
